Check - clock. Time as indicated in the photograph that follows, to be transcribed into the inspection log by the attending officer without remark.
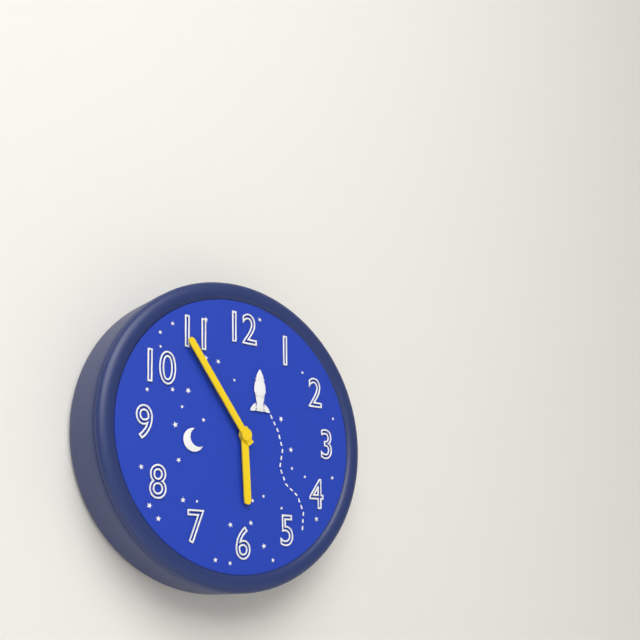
5:54
